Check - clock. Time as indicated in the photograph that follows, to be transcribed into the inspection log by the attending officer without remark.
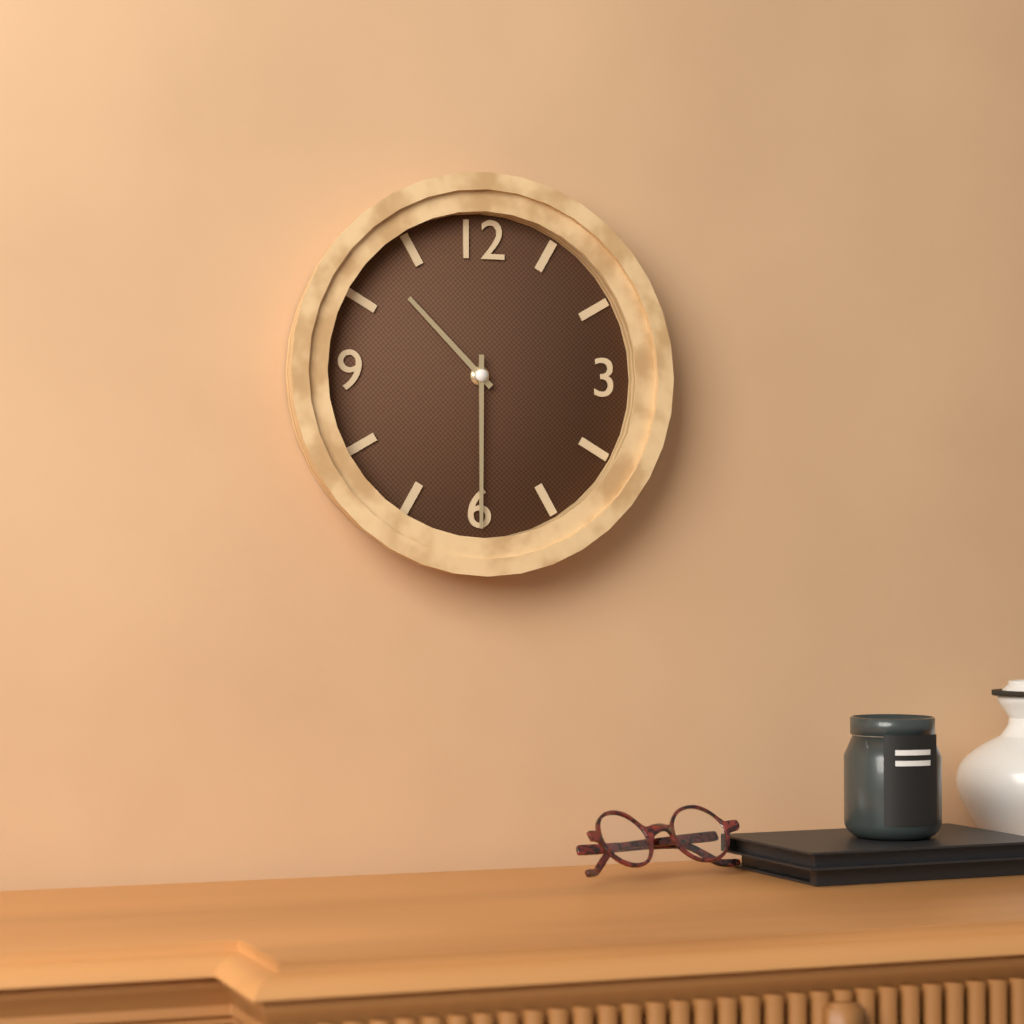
10:30
